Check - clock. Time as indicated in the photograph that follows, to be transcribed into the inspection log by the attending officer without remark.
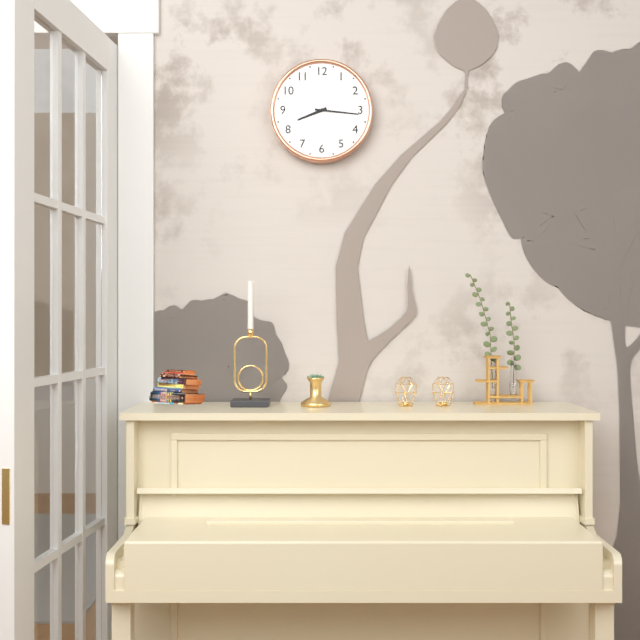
8:16
